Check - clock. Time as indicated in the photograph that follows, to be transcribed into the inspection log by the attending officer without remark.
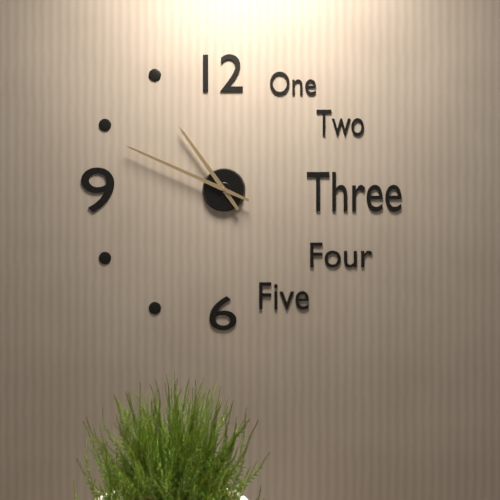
10:49
